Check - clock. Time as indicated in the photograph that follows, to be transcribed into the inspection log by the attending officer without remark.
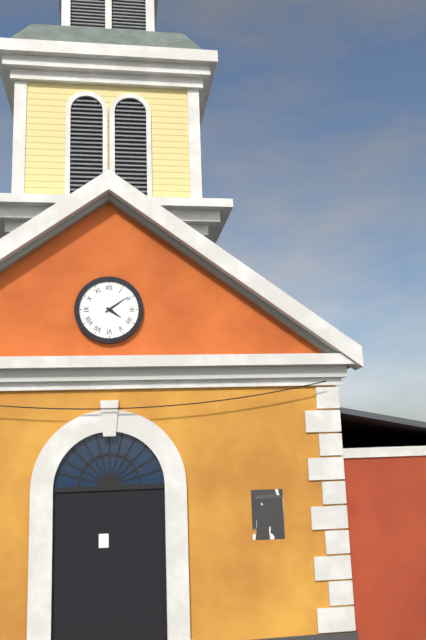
4:09
